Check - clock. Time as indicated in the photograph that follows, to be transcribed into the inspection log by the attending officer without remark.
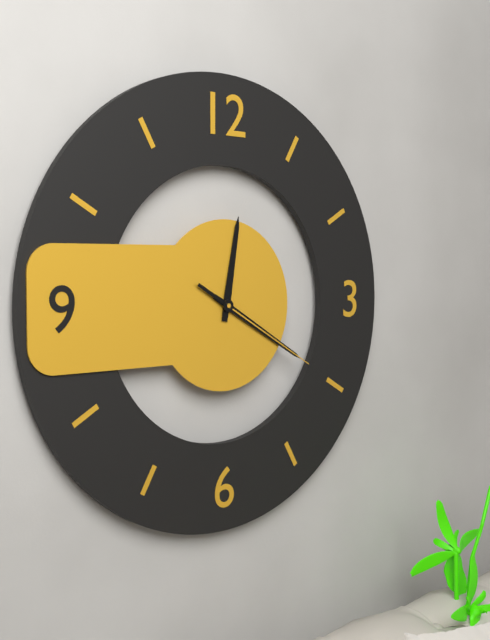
12:20:20
